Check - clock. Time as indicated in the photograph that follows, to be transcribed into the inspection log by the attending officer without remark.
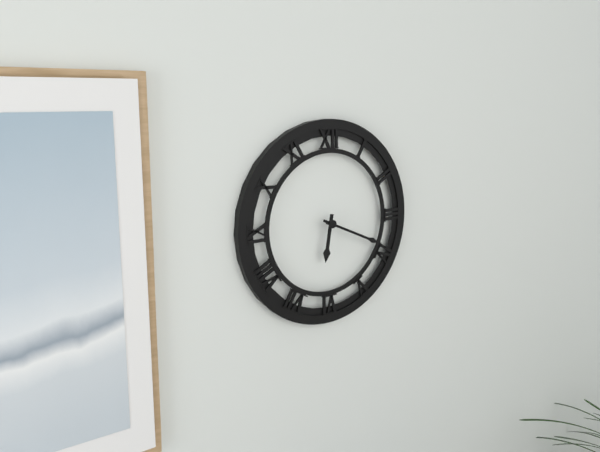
6:19
